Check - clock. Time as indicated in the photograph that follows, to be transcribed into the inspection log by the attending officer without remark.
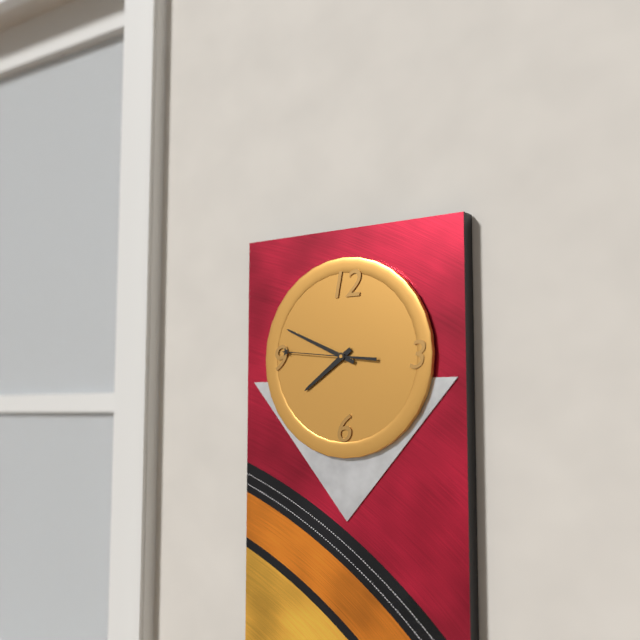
7:49:46
